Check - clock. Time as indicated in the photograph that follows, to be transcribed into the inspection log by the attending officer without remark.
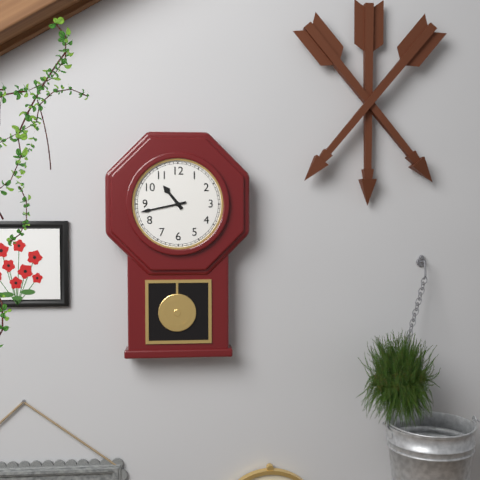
10:43
